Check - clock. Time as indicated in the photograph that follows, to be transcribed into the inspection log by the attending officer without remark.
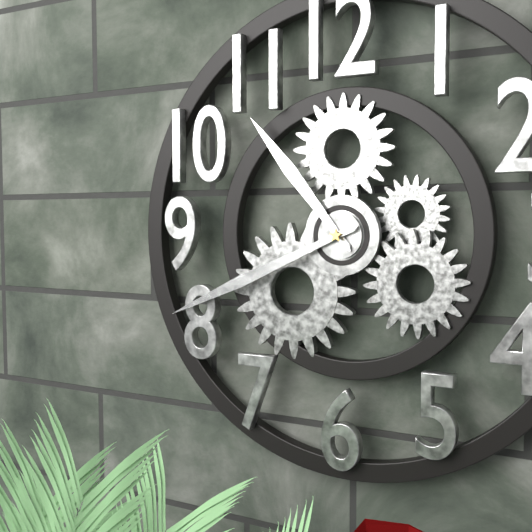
10:41
